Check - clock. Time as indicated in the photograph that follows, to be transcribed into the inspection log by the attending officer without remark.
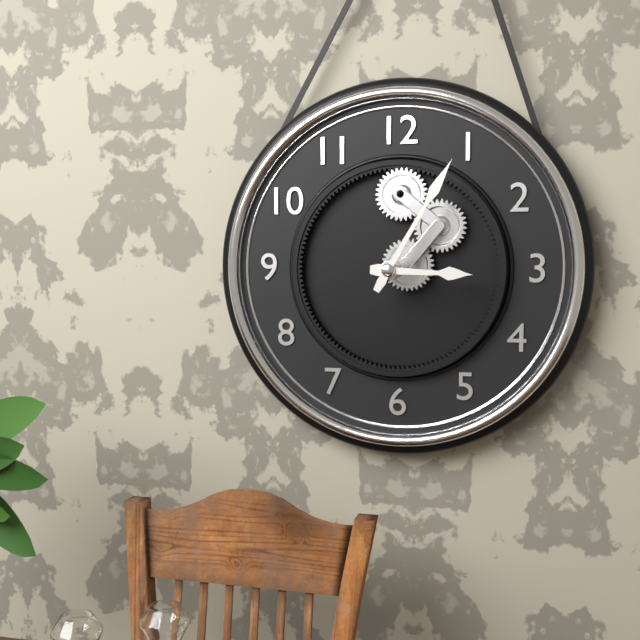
3:05
